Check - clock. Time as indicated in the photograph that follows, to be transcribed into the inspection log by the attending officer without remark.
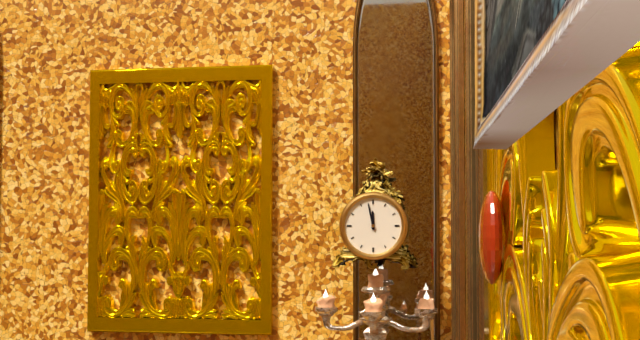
11:58
